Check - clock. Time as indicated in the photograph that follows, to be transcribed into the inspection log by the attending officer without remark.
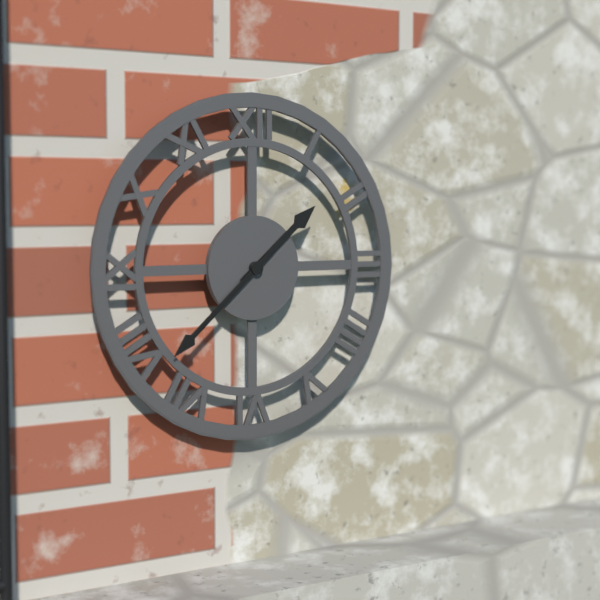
1:38
